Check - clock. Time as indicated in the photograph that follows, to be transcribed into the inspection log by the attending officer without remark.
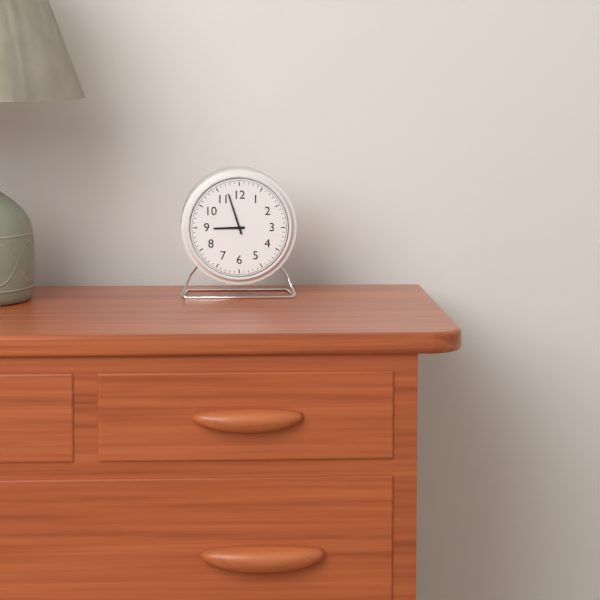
8:57
